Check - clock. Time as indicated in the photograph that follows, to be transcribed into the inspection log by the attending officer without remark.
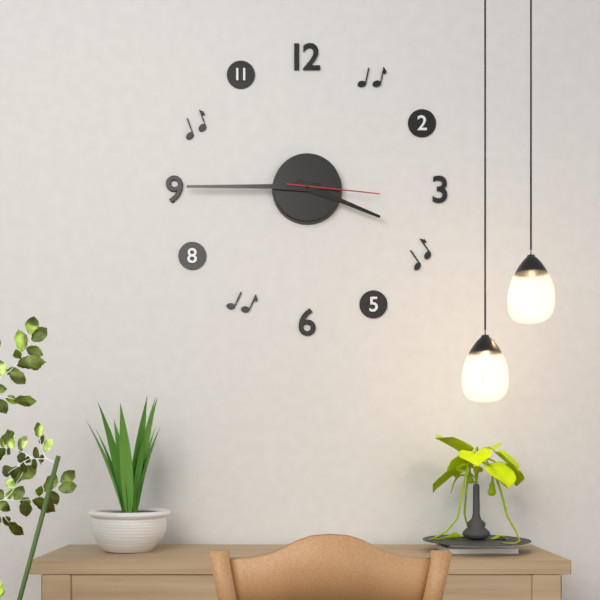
3:45:16
